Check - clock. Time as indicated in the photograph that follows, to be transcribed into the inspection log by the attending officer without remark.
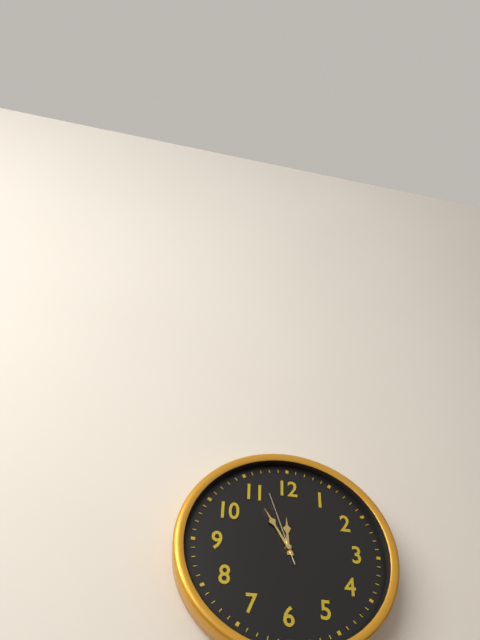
11:55:57
